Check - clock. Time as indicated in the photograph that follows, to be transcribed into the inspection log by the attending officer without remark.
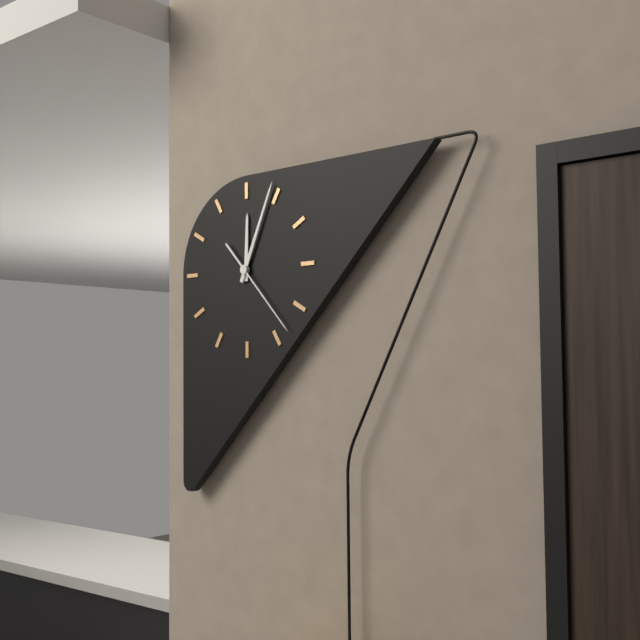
12:04:23
